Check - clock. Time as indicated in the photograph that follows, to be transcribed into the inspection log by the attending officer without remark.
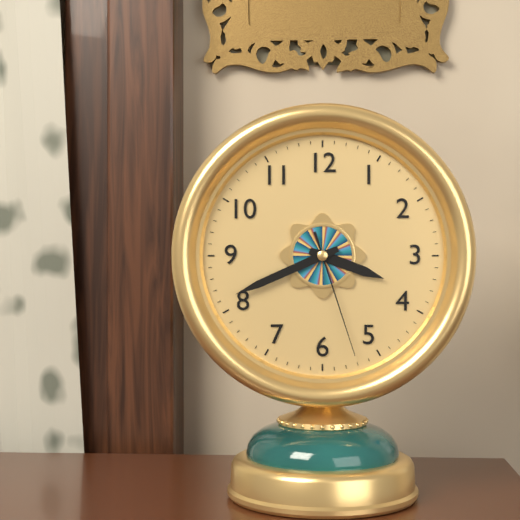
3:41:27
